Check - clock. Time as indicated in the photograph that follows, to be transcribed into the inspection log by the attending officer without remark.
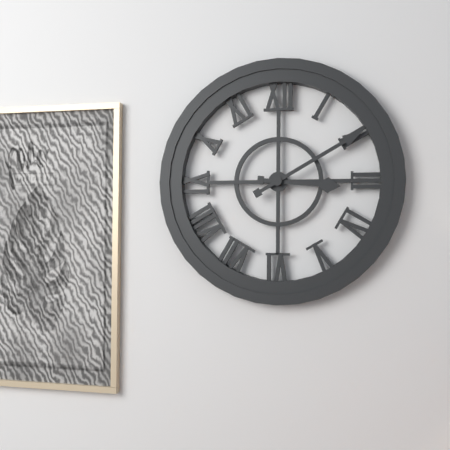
3:10
